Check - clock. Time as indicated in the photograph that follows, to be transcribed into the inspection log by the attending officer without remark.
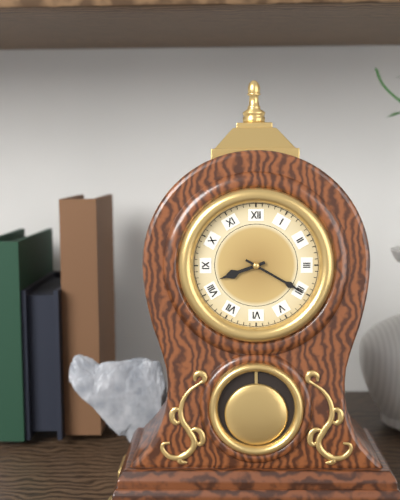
8:20
